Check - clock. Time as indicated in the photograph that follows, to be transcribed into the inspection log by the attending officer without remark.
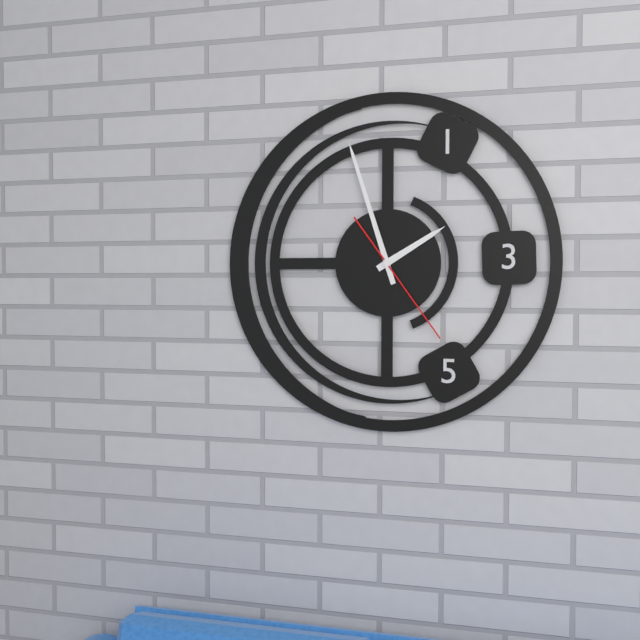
1:57:24
